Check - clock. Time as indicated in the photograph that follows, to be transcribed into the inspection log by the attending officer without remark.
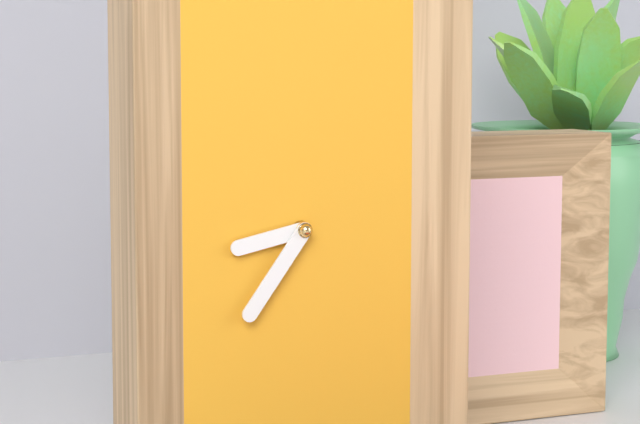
8:36
